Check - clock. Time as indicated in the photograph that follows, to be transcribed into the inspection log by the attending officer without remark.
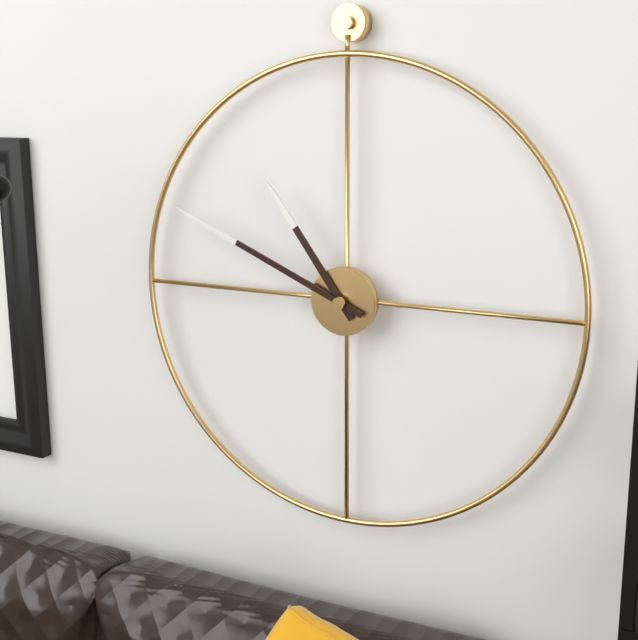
10:49
